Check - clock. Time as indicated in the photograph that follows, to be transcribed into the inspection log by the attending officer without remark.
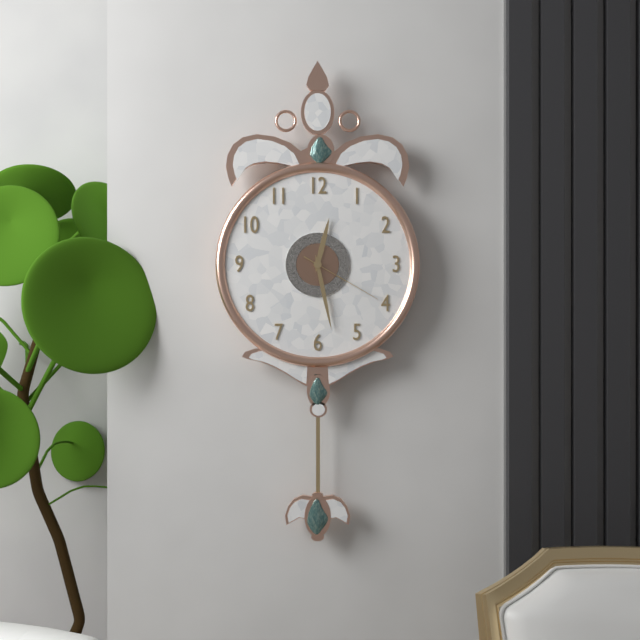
12:28:20
